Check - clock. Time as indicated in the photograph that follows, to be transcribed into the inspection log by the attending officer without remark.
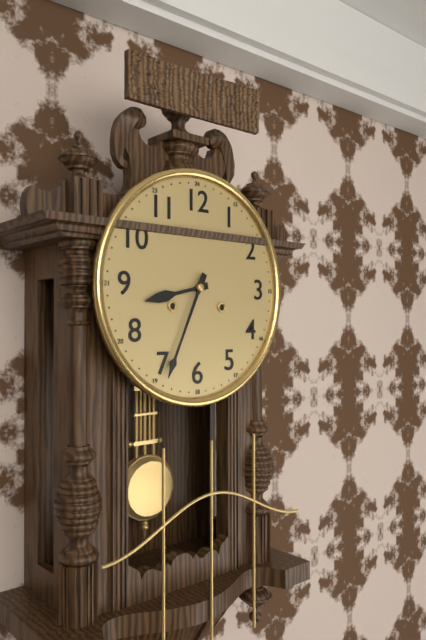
8:34
